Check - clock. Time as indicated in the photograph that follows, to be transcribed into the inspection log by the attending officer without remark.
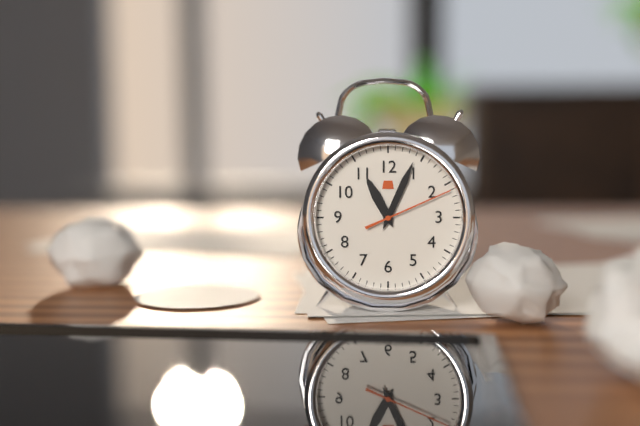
11:04:11
